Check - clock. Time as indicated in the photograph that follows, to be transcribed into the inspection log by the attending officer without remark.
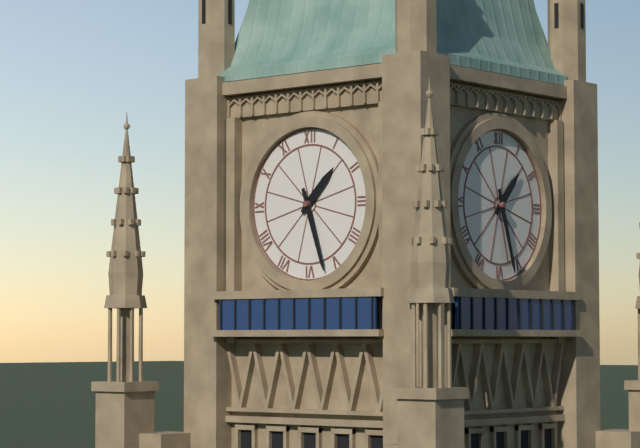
1:27
